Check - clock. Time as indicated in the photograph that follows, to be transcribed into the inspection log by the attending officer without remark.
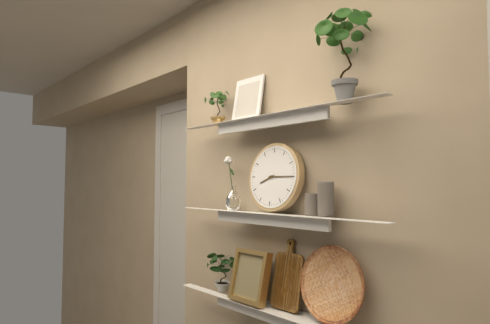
8:15
